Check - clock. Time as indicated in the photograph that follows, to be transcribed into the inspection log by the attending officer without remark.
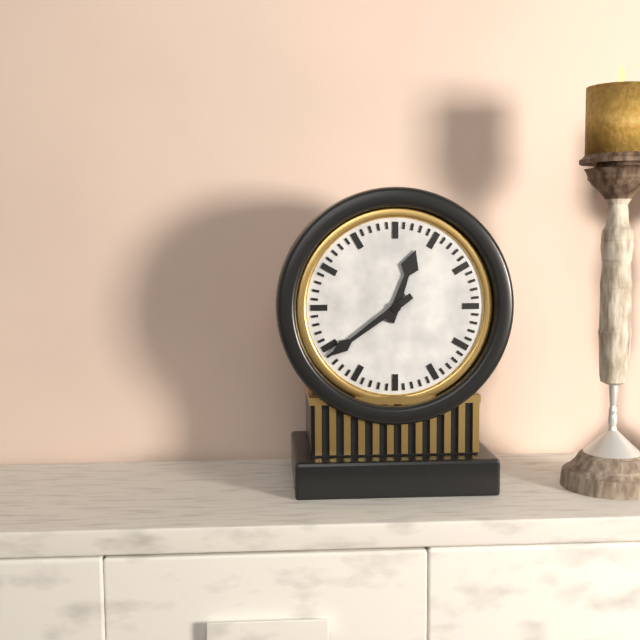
12:39
